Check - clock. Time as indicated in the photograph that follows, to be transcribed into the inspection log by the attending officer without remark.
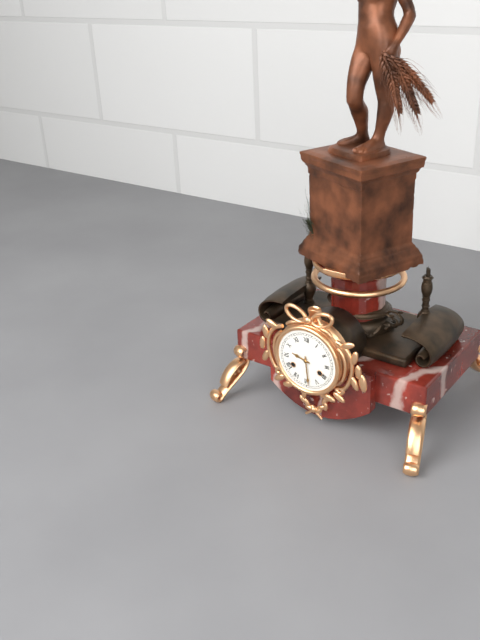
9:29
